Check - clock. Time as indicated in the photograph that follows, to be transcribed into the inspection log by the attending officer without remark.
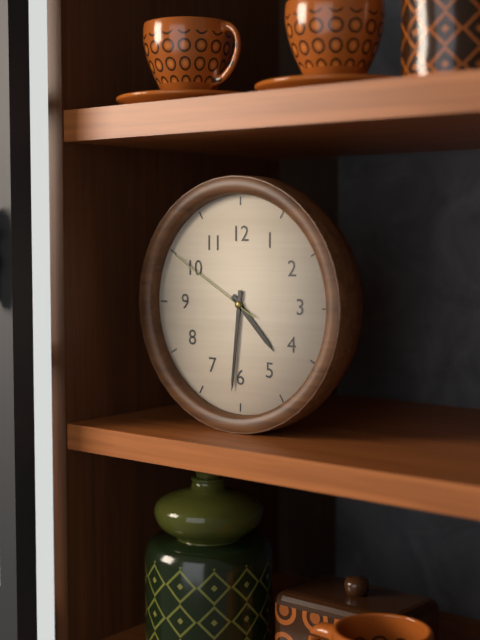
4:31:50
